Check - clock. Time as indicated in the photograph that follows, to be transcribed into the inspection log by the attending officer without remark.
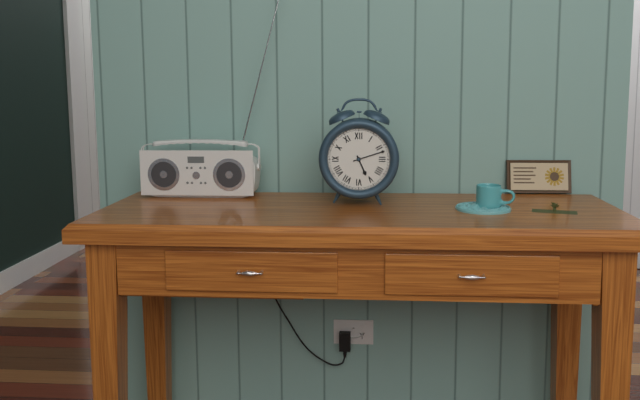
5:12
